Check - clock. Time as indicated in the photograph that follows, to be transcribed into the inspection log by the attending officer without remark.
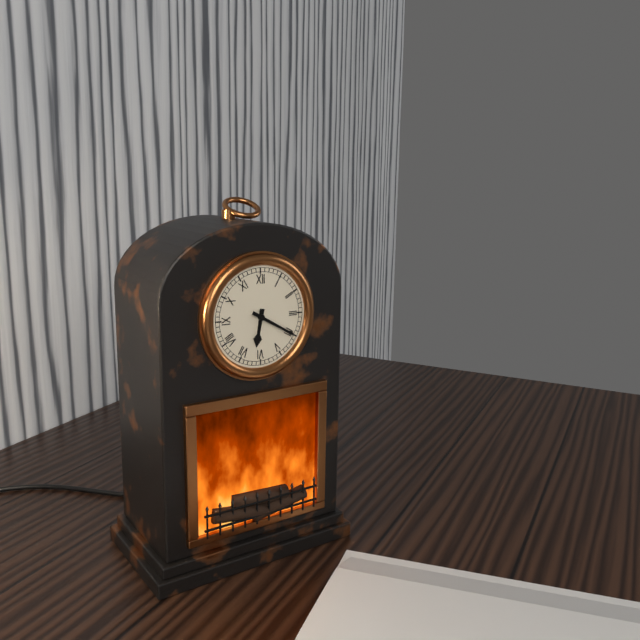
6:20
